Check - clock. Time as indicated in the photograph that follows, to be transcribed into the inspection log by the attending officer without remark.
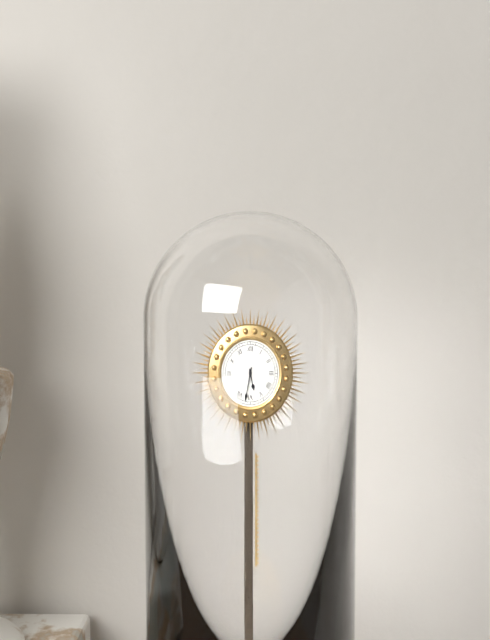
5:32
